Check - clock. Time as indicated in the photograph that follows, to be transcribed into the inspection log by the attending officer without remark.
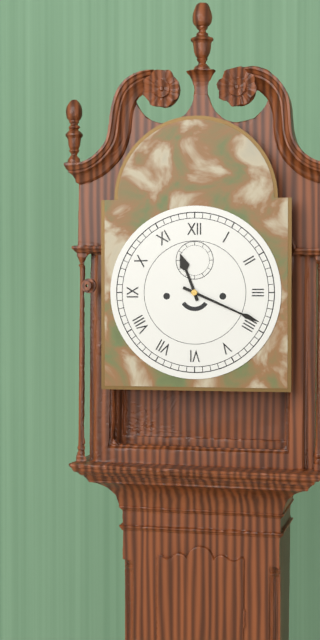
11:19
